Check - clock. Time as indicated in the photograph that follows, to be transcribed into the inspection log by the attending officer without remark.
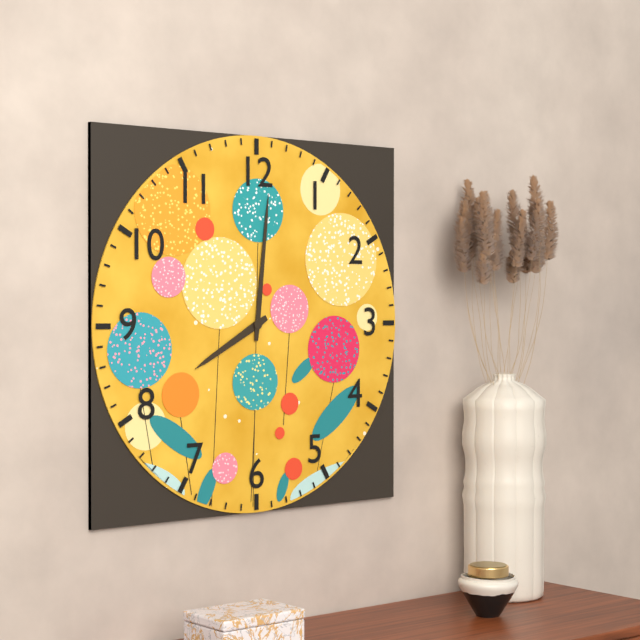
8:01
